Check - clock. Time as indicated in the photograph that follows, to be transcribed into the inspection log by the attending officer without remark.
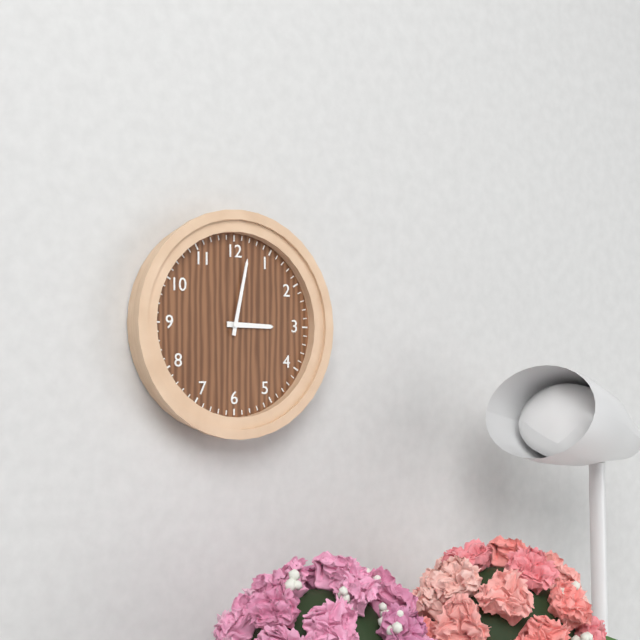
3:02
